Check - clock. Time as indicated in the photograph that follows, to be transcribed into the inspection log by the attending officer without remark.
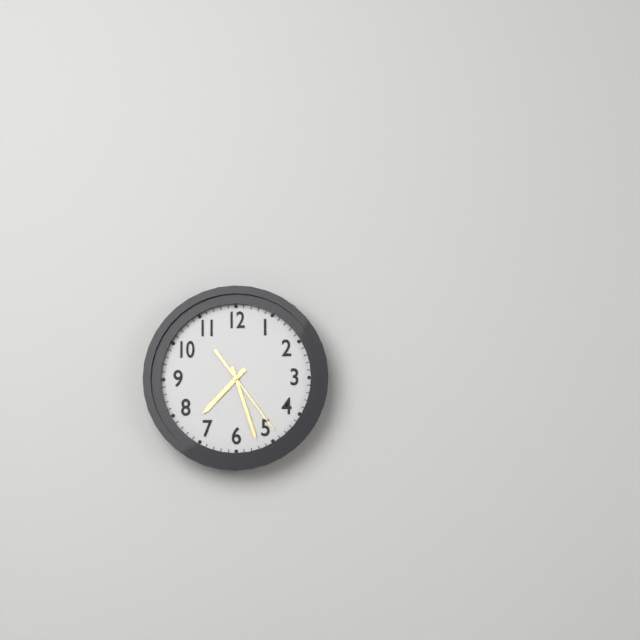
7:27:24
